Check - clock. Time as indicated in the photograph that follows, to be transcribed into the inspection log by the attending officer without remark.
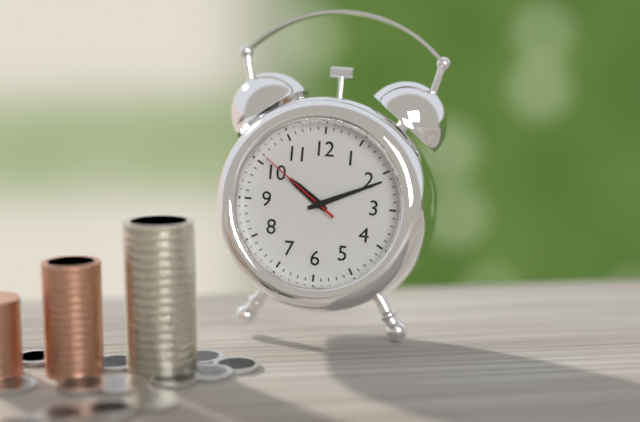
10:11:51
